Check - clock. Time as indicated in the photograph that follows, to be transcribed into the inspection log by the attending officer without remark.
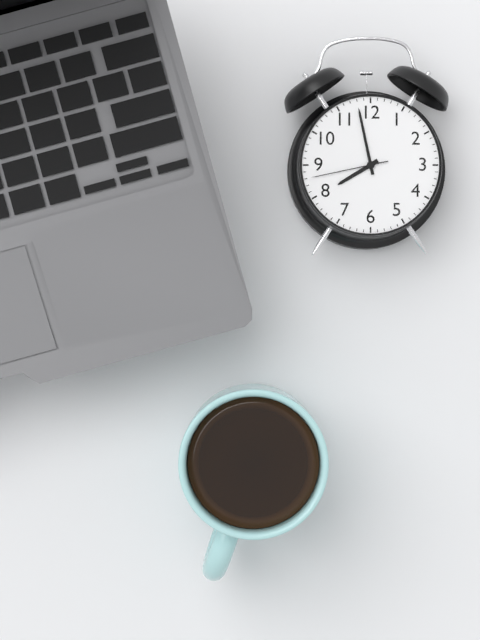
7:58:43
